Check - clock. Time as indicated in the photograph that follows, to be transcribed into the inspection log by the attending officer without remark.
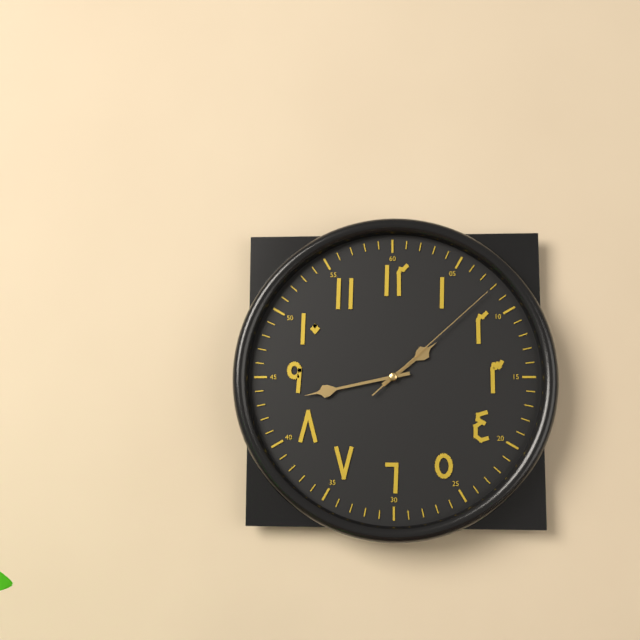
1:43:08
